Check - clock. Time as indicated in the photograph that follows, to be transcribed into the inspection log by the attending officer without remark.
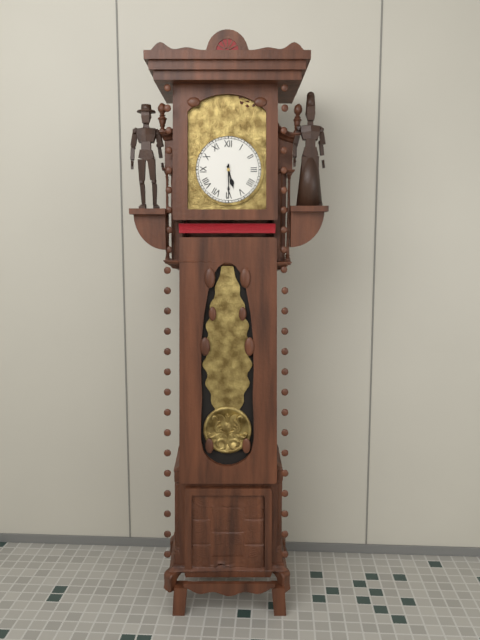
5:30
